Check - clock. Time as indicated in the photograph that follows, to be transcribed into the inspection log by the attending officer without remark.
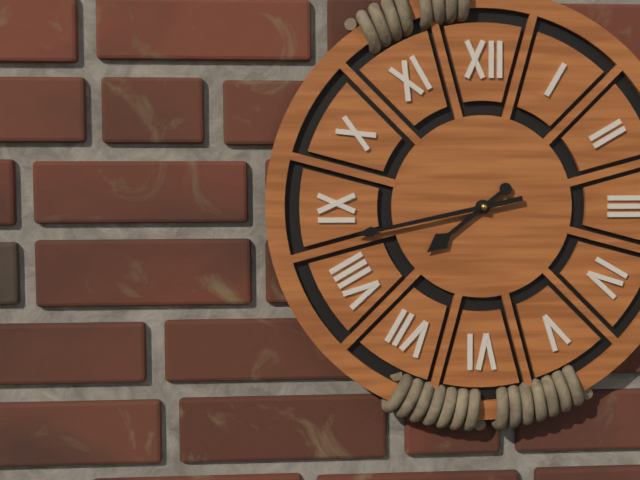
7:43
